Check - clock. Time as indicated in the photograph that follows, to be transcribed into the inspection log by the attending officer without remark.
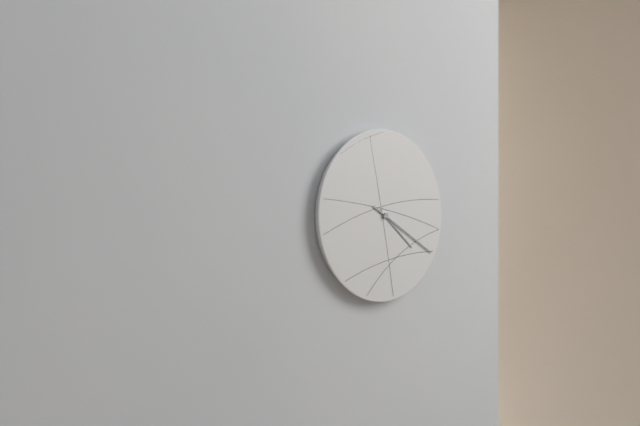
4:20
